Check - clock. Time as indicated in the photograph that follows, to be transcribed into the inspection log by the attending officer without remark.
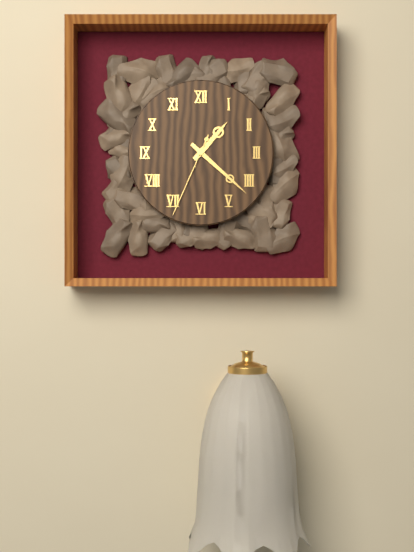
1:22:34
